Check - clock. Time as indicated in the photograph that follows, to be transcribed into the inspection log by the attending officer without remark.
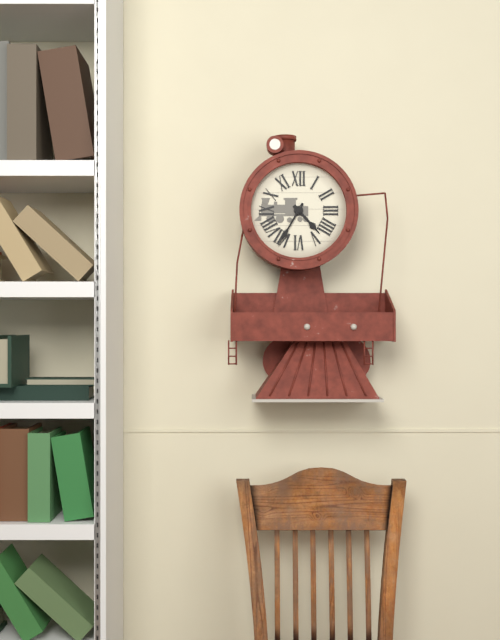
4:35
